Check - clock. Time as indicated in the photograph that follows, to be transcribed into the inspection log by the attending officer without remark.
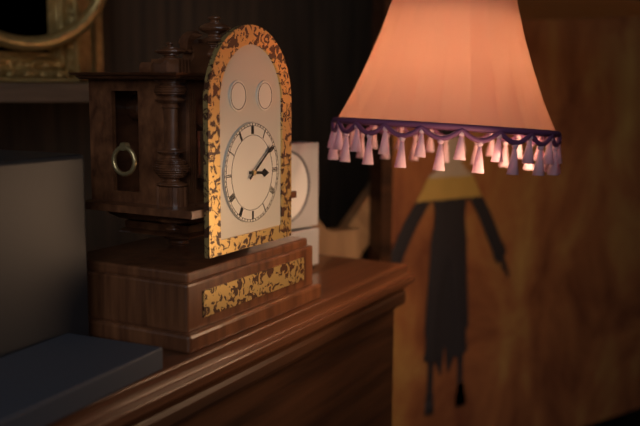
3:09
